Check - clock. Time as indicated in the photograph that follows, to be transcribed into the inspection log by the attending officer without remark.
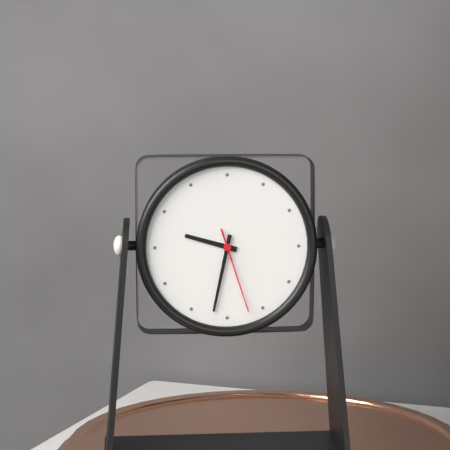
9:32:27
